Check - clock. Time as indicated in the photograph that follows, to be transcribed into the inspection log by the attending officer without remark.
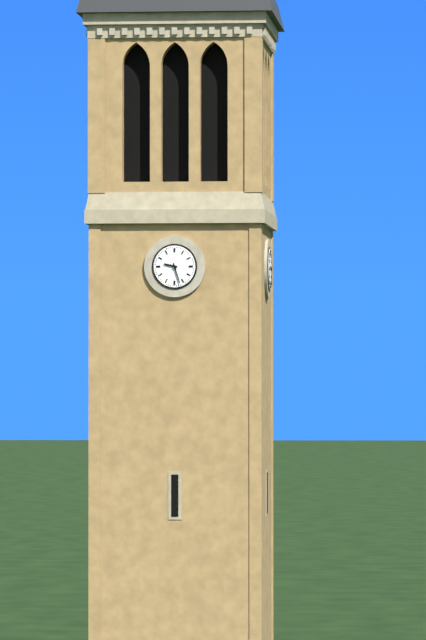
9:27
